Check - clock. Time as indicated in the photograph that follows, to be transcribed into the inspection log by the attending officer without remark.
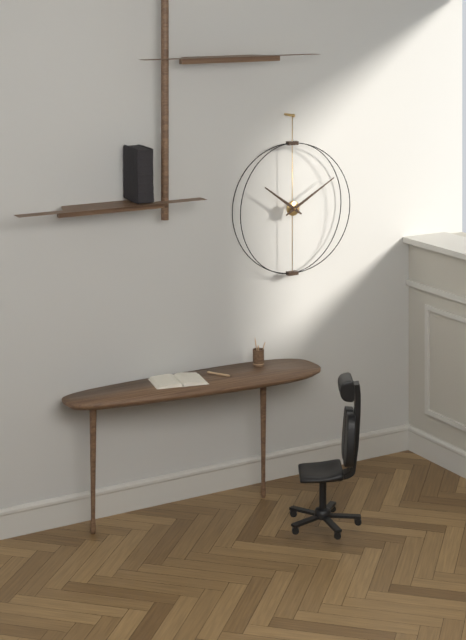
10:10
